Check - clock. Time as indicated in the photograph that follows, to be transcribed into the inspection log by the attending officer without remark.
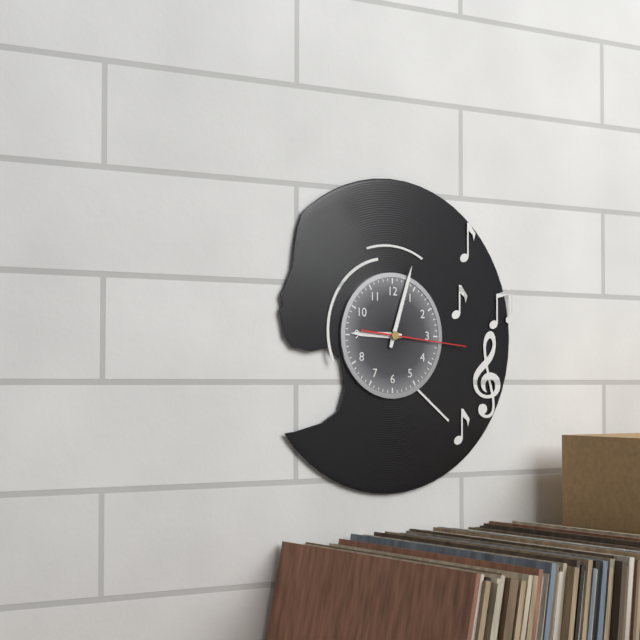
9:03:16
